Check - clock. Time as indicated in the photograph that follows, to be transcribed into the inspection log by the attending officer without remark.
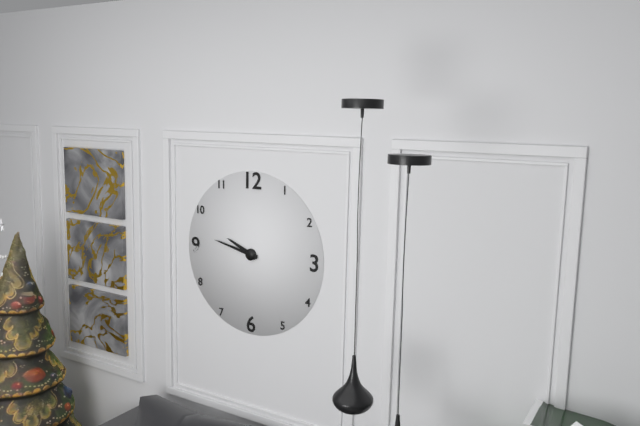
9:47
